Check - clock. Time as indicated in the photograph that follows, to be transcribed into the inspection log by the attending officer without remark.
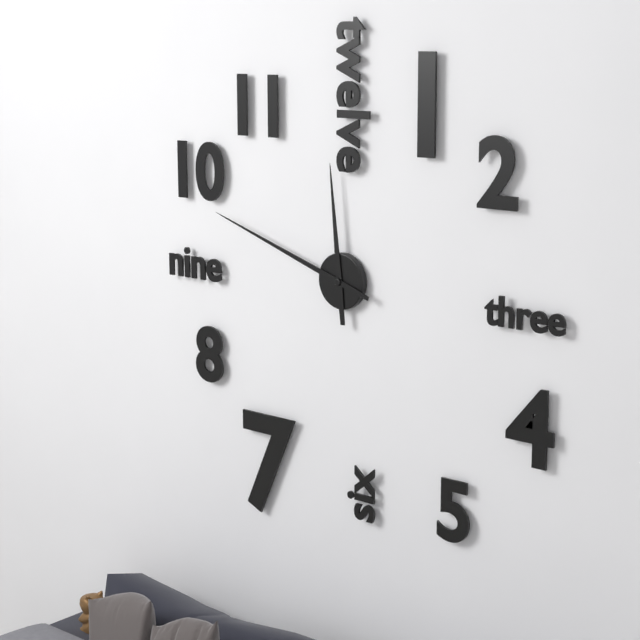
11:48
